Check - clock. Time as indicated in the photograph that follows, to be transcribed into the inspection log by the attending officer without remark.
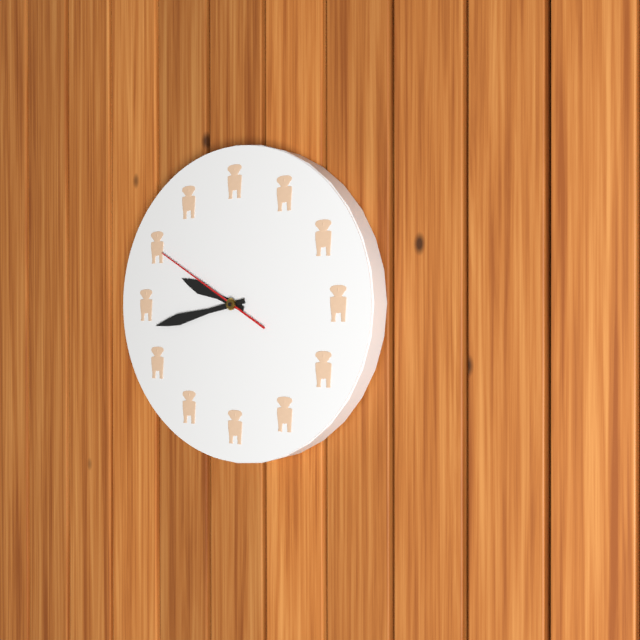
9:43:50
